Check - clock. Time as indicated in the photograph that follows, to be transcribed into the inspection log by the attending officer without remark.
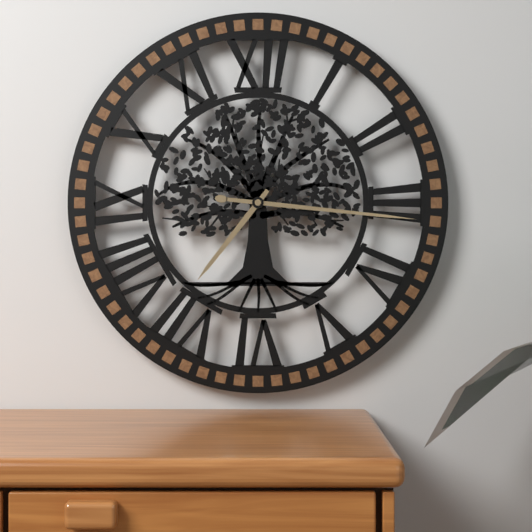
7:16
